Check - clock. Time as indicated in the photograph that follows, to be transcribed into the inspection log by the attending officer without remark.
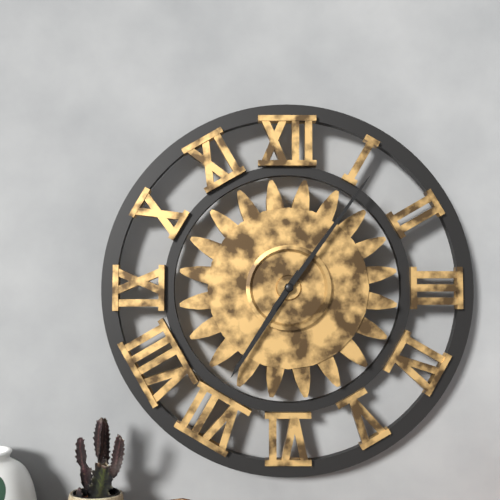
7:06
